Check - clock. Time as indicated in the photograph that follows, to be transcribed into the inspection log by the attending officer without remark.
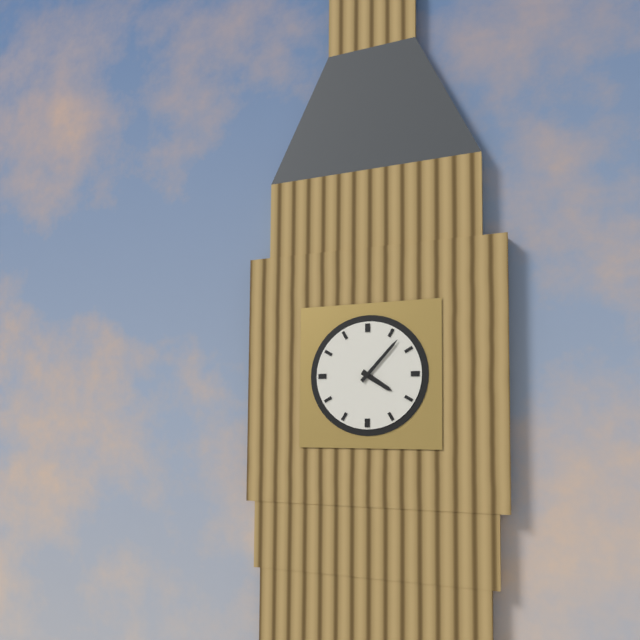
4:07
